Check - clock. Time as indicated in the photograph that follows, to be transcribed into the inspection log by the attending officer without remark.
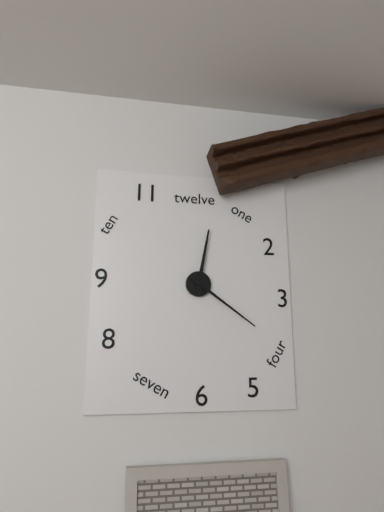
12:21
